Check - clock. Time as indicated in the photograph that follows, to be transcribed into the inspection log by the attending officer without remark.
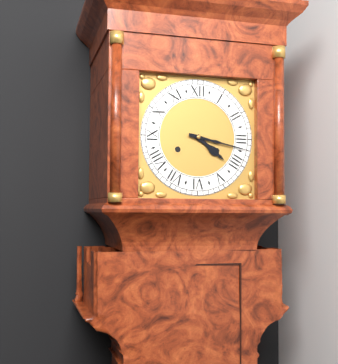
4:17
